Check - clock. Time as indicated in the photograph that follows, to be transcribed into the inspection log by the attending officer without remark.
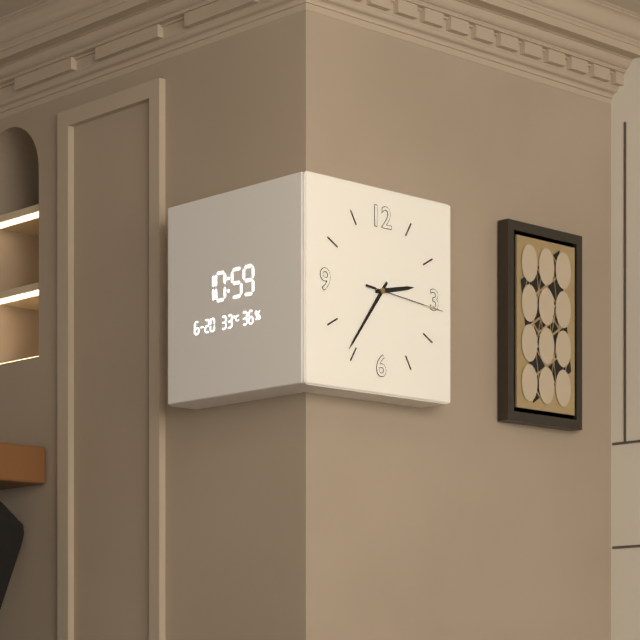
2:36:16
